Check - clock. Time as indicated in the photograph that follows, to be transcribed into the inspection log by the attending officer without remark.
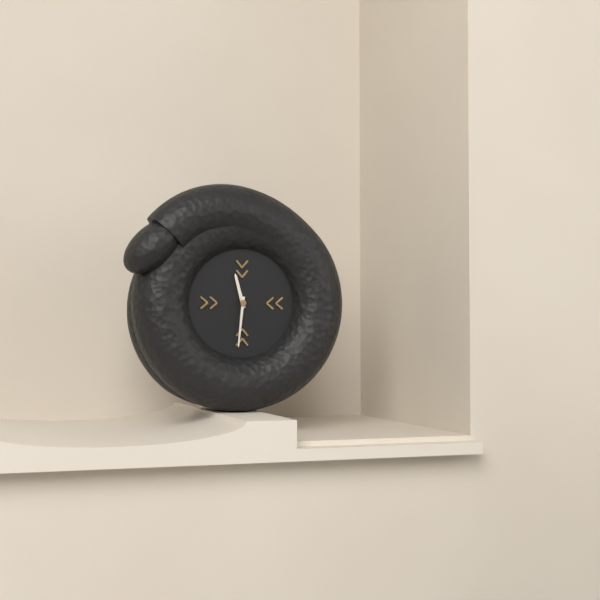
11:31
